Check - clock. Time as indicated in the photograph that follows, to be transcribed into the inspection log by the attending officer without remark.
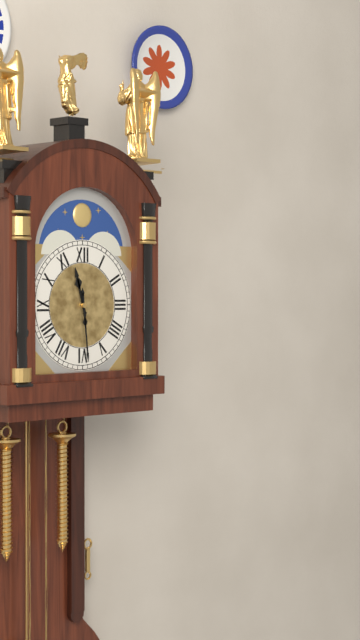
11:29
